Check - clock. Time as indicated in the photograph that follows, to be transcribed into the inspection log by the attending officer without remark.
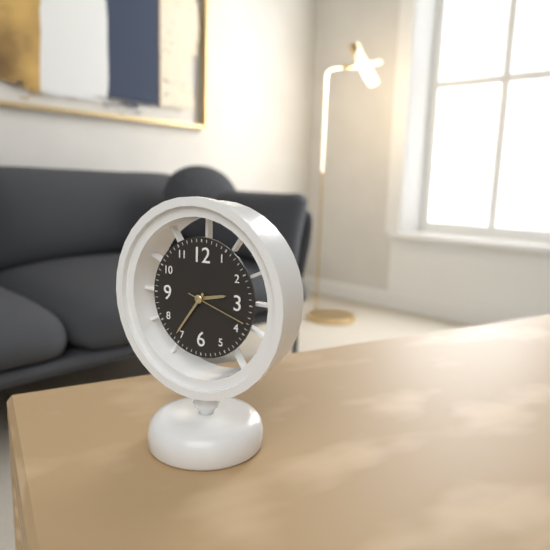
2:36:18
